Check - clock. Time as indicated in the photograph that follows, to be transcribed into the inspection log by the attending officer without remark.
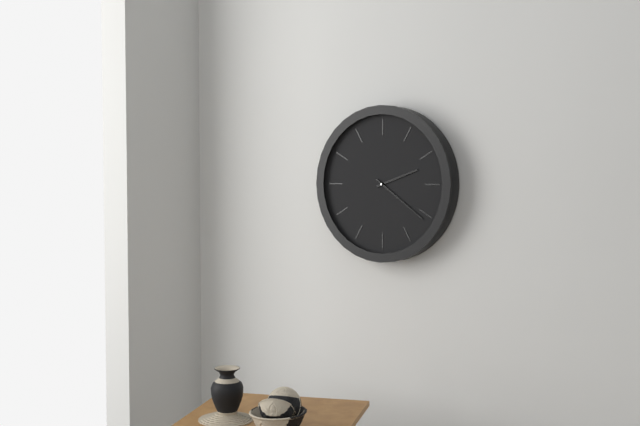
2:21
